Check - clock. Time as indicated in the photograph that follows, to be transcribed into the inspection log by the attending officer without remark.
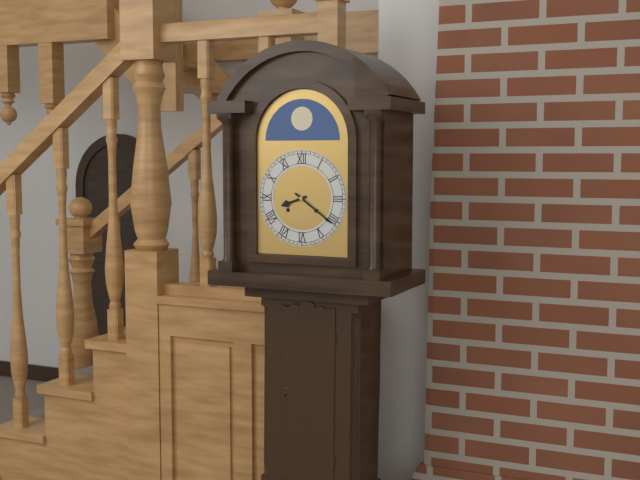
8:21
